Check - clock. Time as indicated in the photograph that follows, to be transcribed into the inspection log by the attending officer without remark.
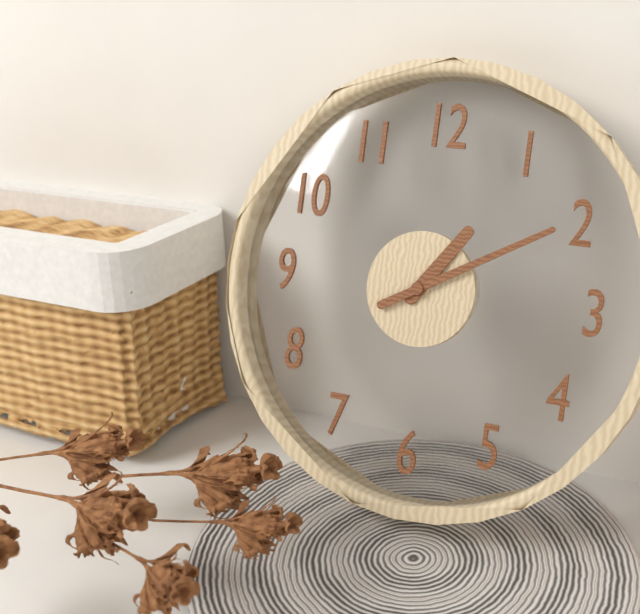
1:10
